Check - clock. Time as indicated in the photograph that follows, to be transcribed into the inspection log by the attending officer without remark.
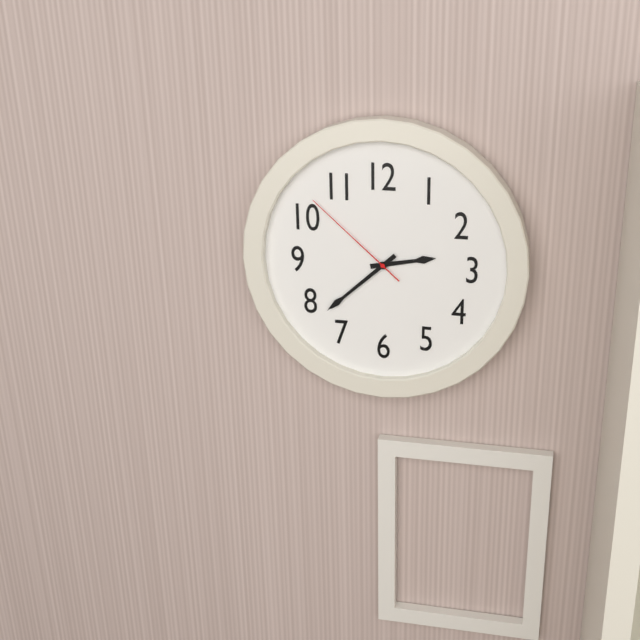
2:38:52
